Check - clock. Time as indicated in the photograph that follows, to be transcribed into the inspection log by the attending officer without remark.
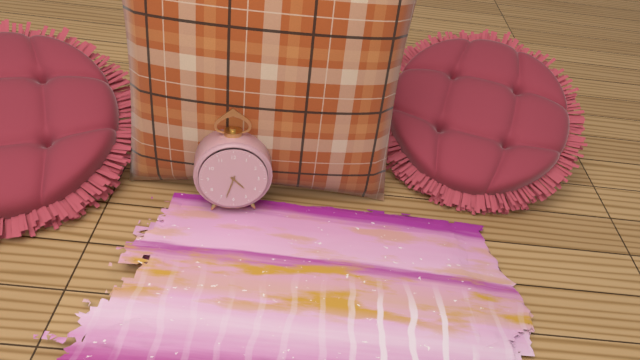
4:33
